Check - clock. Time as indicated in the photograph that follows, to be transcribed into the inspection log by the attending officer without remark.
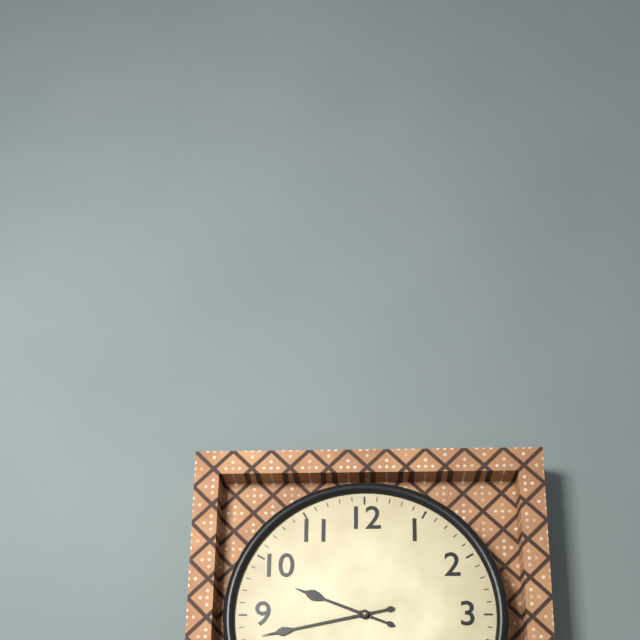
9:43
